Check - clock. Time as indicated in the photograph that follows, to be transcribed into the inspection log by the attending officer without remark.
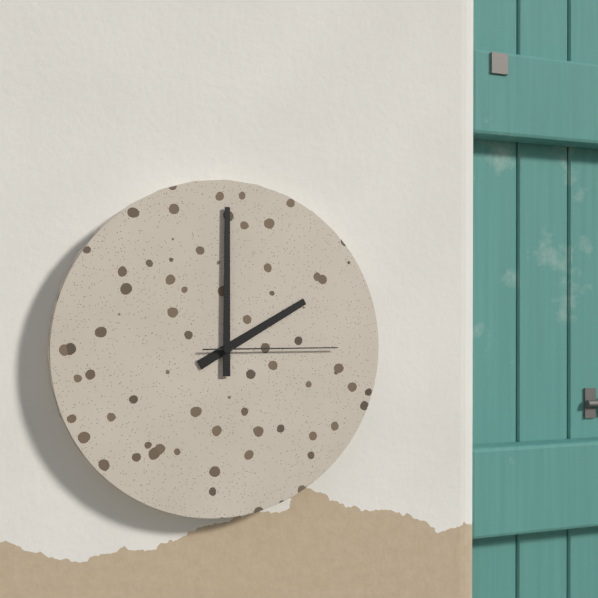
2:00:15
